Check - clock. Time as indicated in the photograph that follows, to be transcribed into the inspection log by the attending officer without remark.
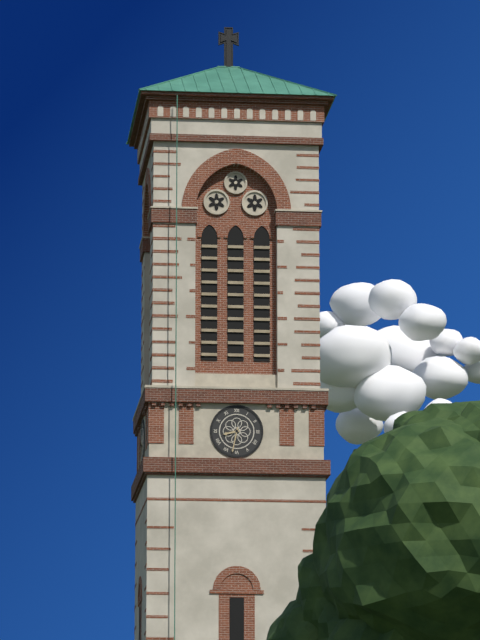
8:32
